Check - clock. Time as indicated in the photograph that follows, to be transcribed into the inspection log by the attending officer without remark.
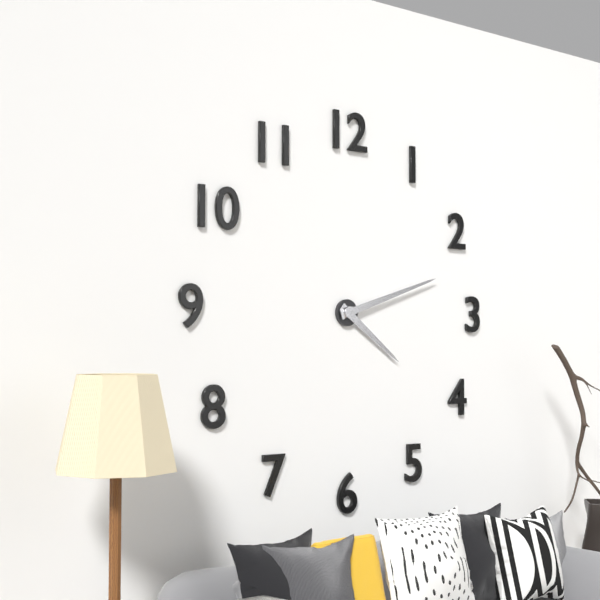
4:12
